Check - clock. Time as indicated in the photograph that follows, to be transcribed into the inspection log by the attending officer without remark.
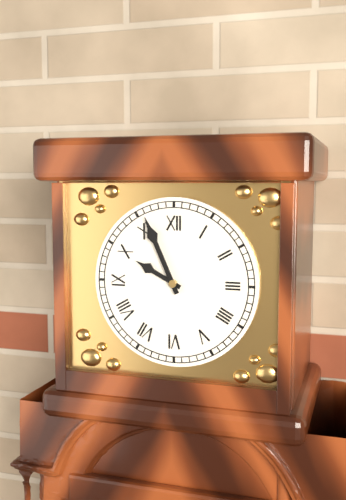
9:56
